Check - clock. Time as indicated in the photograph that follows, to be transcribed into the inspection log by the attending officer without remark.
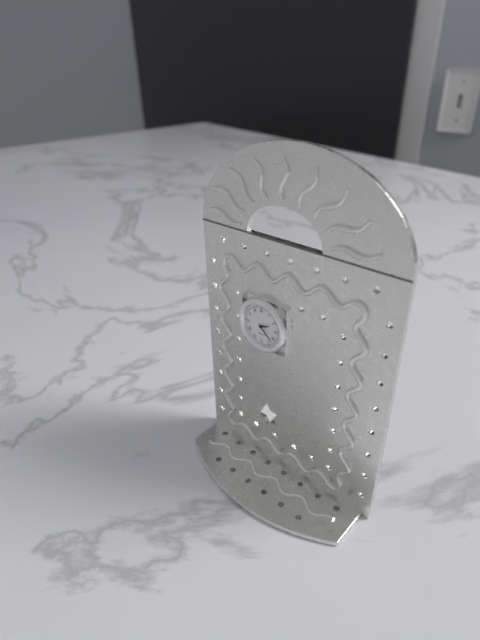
2:22
